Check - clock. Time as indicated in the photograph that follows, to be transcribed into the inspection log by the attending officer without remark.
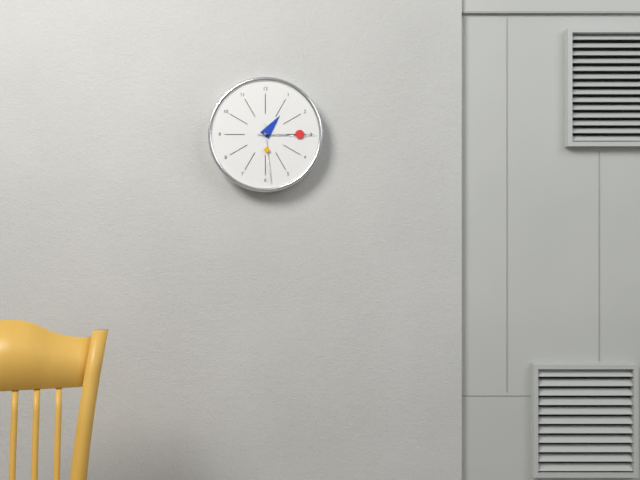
1:15:29
